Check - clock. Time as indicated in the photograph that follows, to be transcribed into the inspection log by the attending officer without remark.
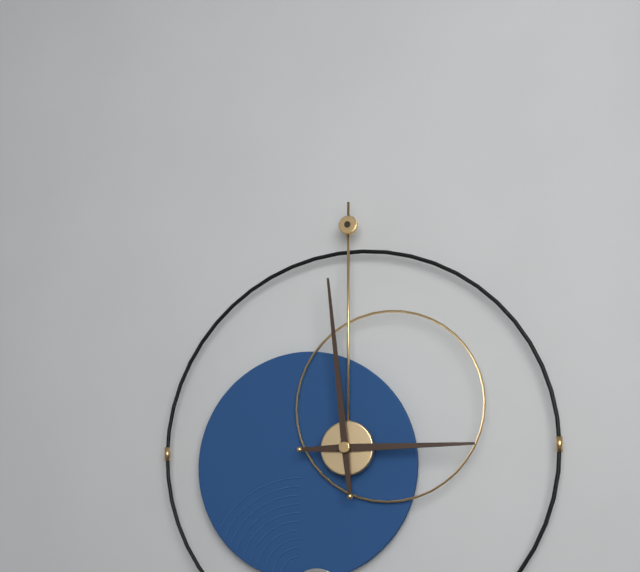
2:59
